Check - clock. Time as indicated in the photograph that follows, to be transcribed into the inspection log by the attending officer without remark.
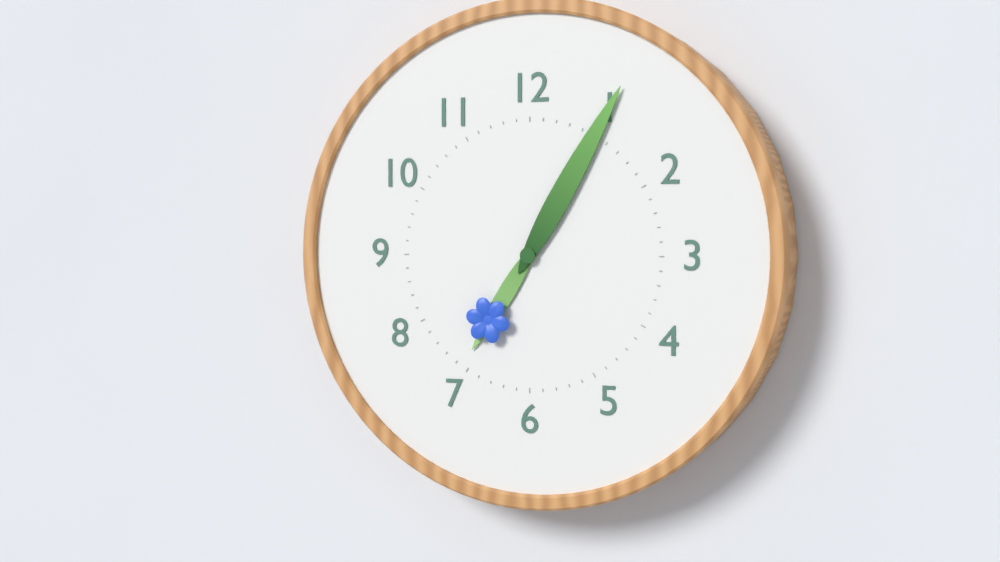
7:05
